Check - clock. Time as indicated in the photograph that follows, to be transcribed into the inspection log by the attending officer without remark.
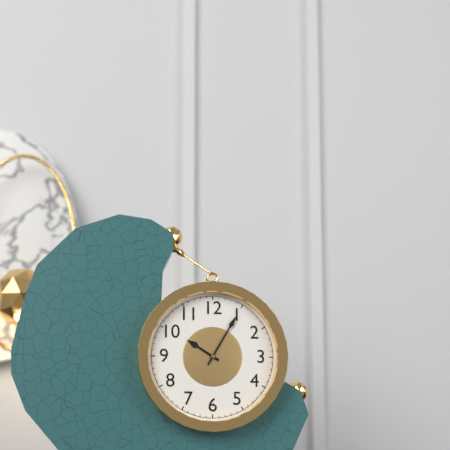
10:05
